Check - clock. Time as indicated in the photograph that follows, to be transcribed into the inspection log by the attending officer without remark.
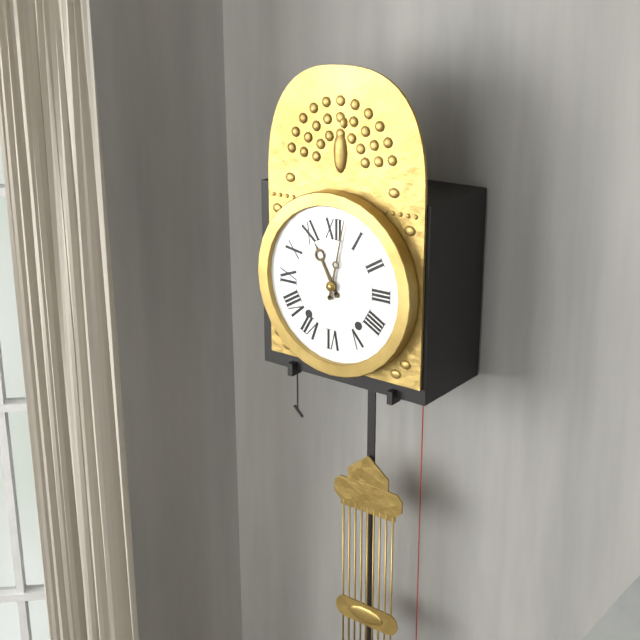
11:02
